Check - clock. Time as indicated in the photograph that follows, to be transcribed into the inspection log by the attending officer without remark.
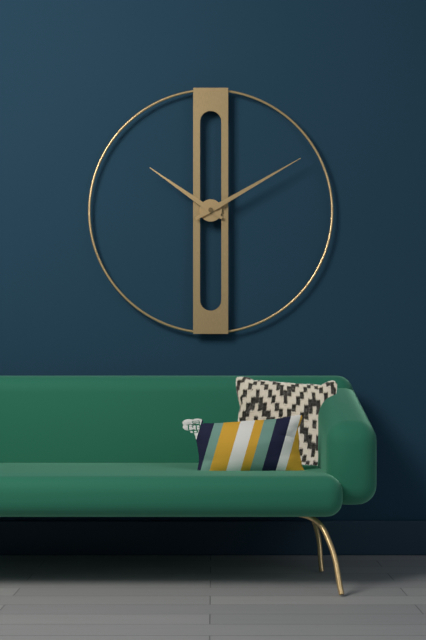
10:10
